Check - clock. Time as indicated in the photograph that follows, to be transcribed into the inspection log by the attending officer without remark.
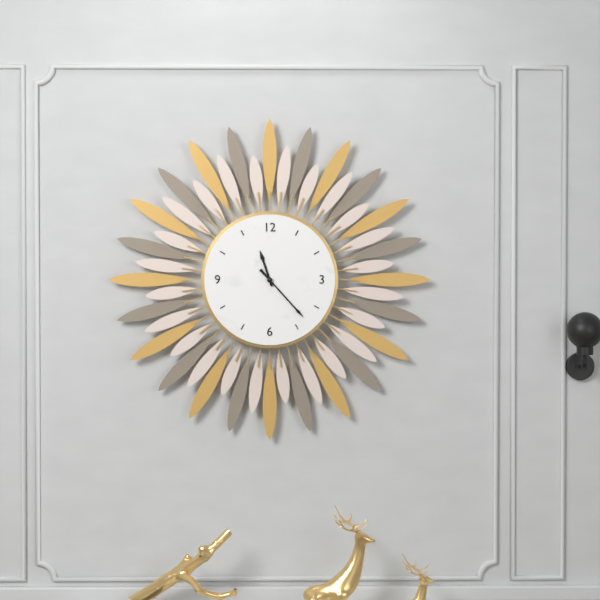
11:23
